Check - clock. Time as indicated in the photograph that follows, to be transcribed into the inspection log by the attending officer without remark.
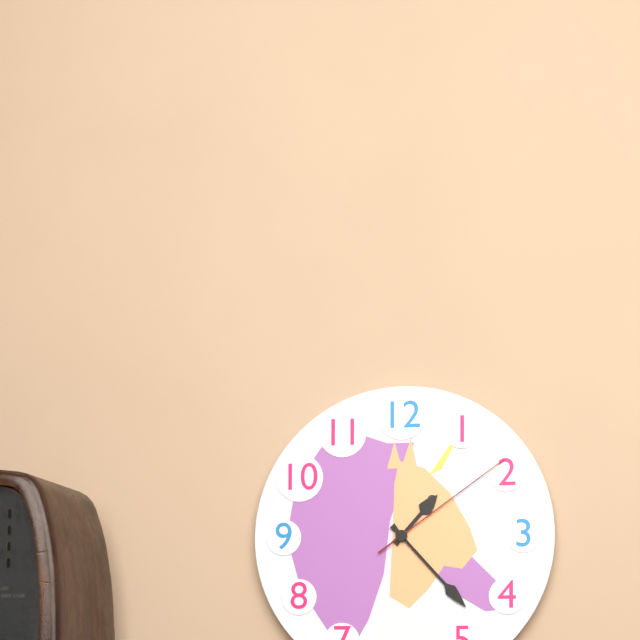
1:23:09
